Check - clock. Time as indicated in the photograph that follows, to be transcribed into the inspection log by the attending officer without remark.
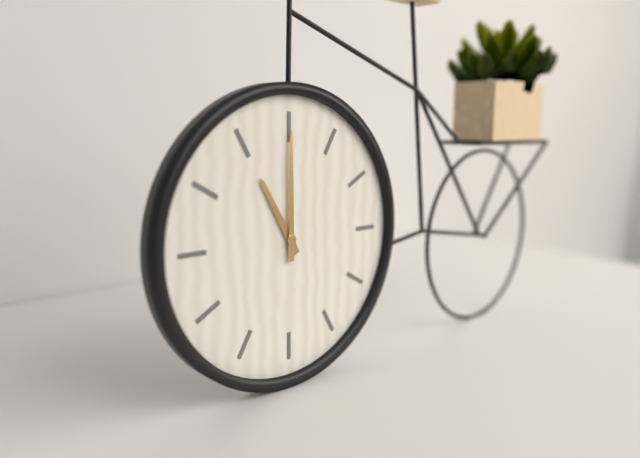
11:00
